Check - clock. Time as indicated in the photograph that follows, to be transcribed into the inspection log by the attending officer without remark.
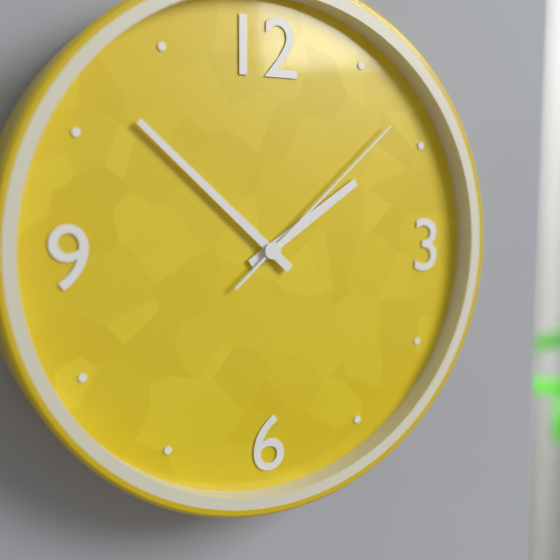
1:52:08
